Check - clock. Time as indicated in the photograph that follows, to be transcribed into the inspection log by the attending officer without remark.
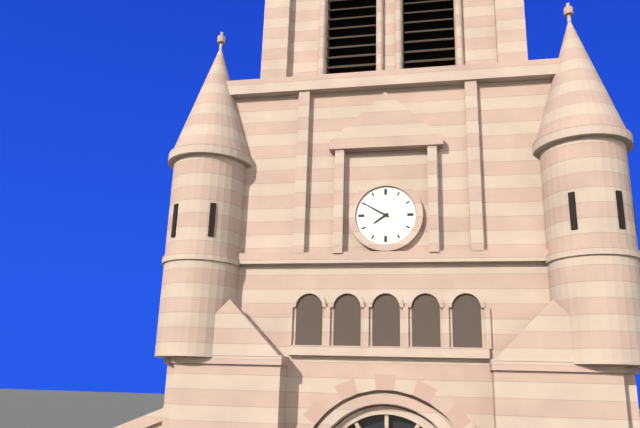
7:50
